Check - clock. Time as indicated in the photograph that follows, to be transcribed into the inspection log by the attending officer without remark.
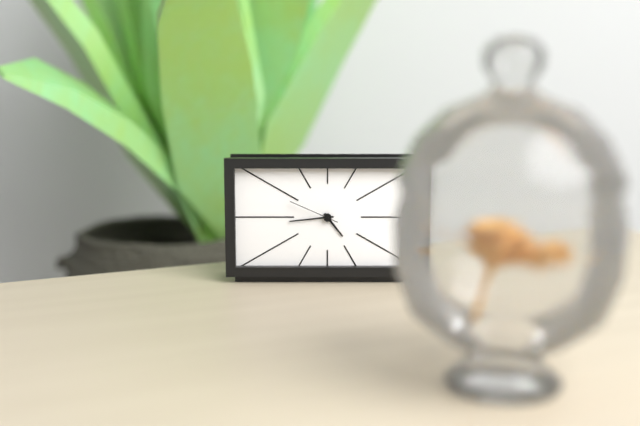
4:44:49
